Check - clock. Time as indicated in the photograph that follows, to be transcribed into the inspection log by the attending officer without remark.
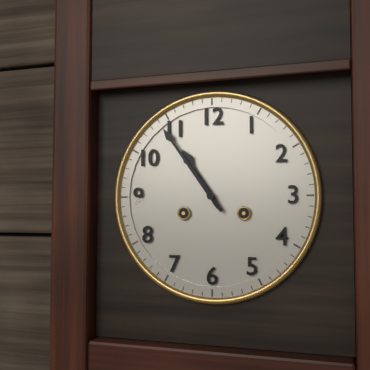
10:54
